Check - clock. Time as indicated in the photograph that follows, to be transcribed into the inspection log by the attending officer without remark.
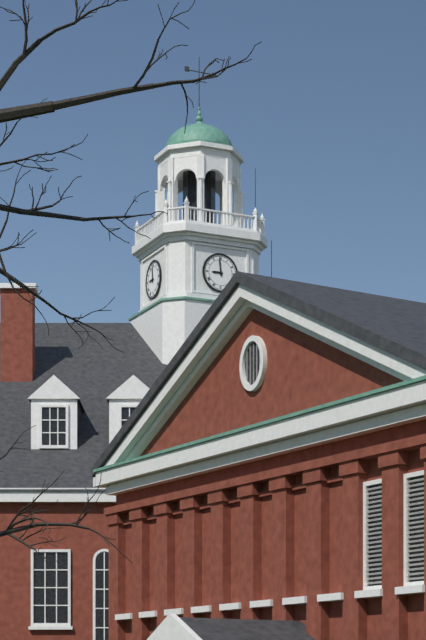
8:59
